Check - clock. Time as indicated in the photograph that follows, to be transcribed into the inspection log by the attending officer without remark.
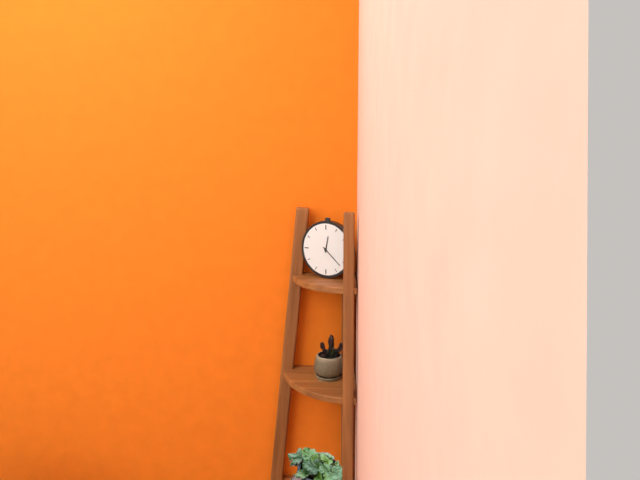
12:22
